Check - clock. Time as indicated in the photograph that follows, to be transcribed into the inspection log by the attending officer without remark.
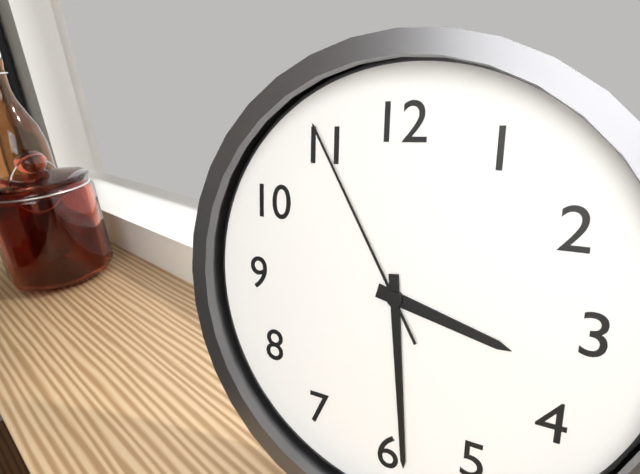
3:29:55
